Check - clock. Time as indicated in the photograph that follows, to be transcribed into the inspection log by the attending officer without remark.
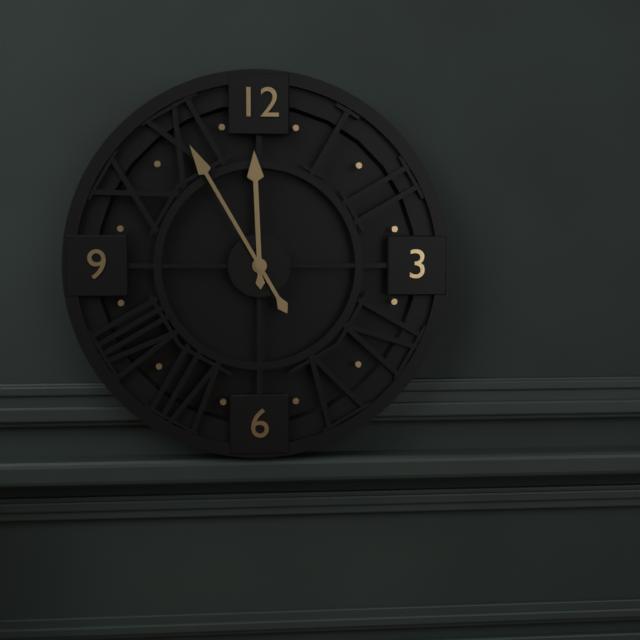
11:55
